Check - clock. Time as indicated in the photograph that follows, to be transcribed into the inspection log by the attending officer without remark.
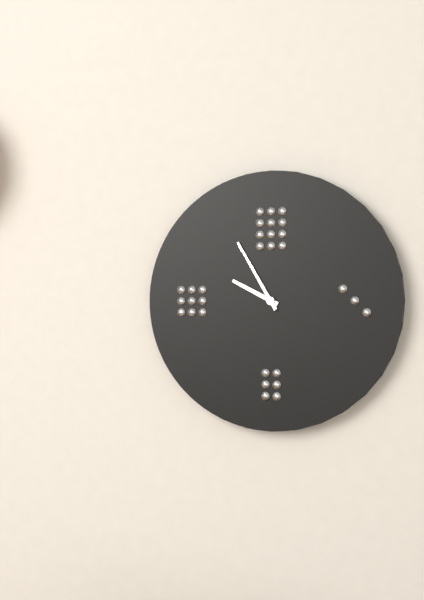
9:55
